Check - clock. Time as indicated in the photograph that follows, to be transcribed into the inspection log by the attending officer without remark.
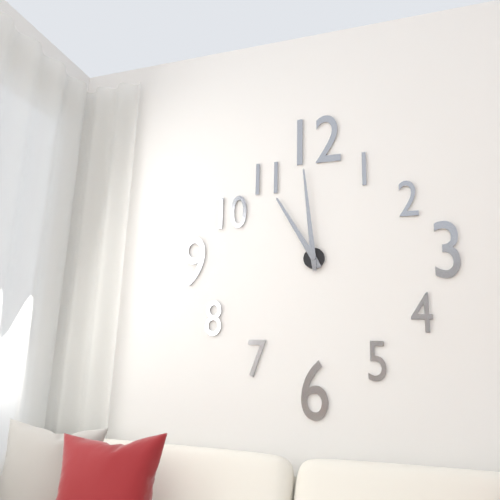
10:59
